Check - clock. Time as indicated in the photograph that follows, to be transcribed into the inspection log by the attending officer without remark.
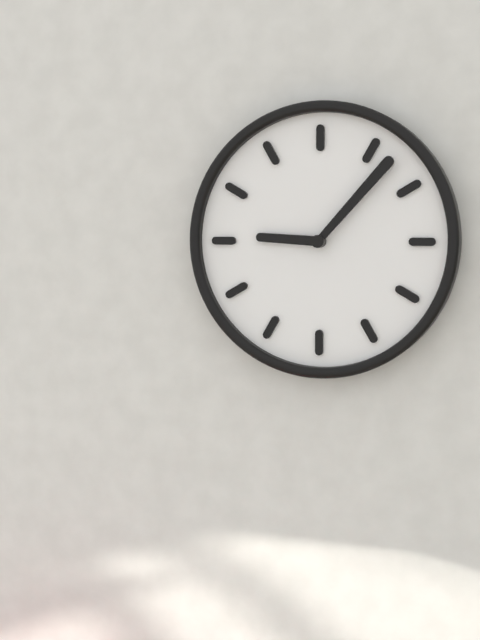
9:07
